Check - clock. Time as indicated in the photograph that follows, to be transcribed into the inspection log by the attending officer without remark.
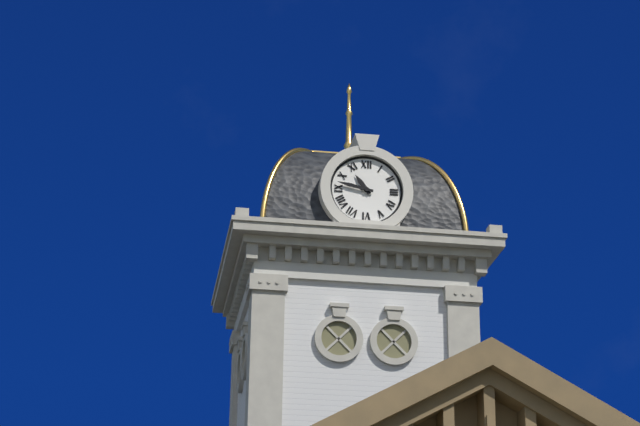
10:47
